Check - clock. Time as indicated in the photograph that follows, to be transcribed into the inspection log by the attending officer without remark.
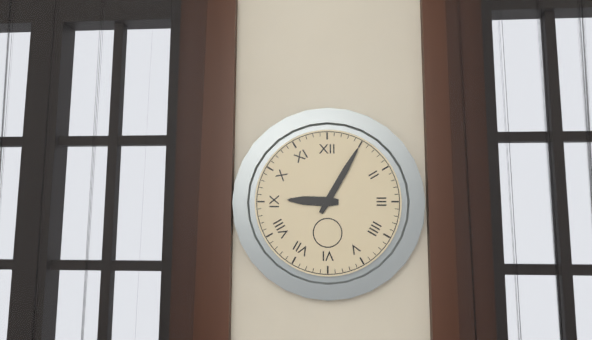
9:05
